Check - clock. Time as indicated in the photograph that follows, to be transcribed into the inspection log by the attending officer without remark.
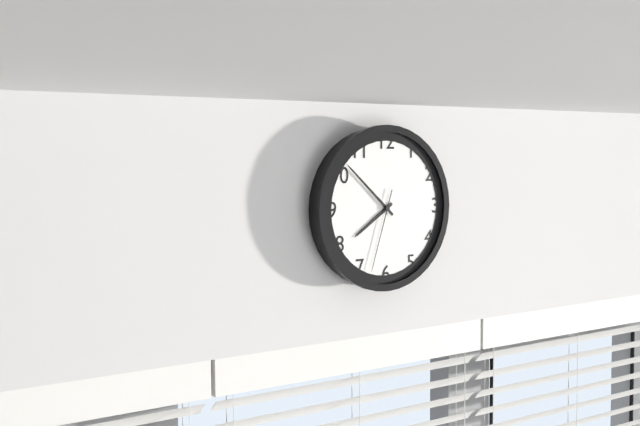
7:52:33
